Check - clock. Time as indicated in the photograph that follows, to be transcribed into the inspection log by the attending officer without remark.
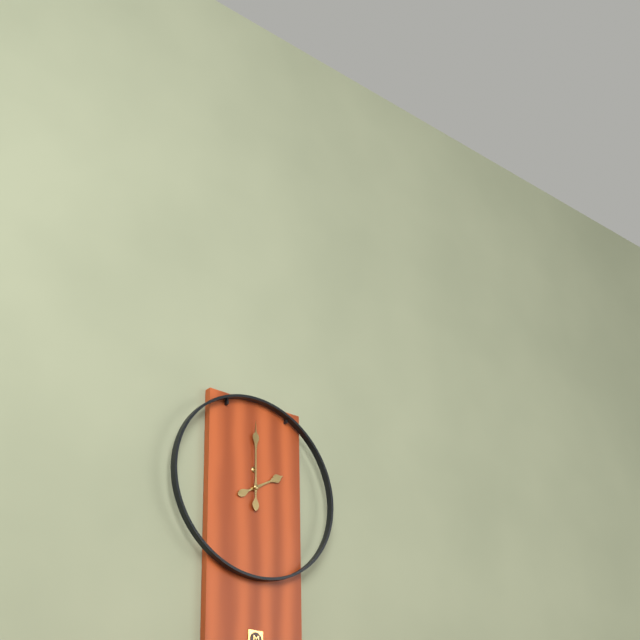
2:00
